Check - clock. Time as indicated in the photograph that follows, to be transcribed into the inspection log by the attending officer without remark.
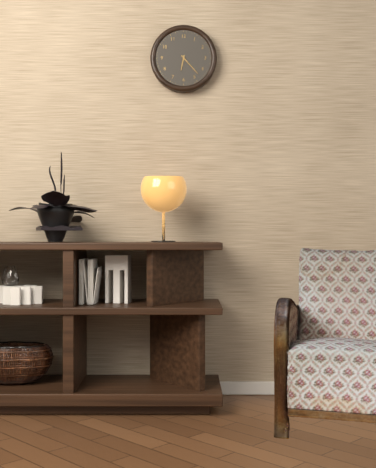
6:23
